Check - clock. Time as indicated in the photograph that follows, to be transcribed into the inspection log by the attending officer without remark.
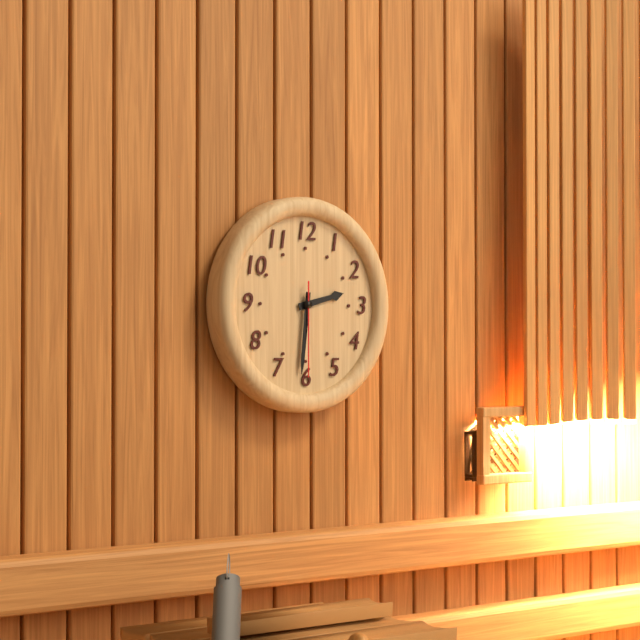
2:31:30
